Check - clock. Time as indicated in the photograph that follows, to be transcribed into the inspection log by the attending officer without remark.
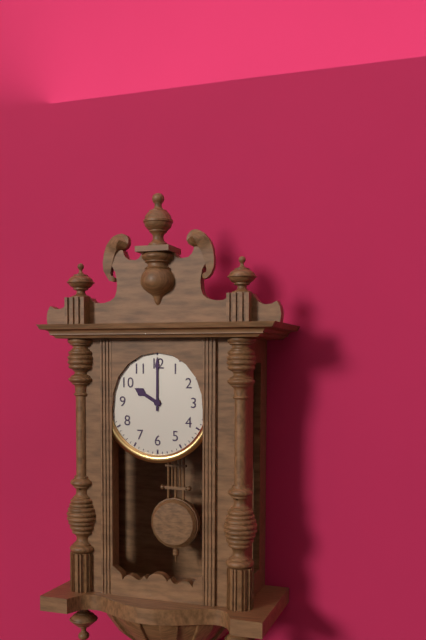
10:00
